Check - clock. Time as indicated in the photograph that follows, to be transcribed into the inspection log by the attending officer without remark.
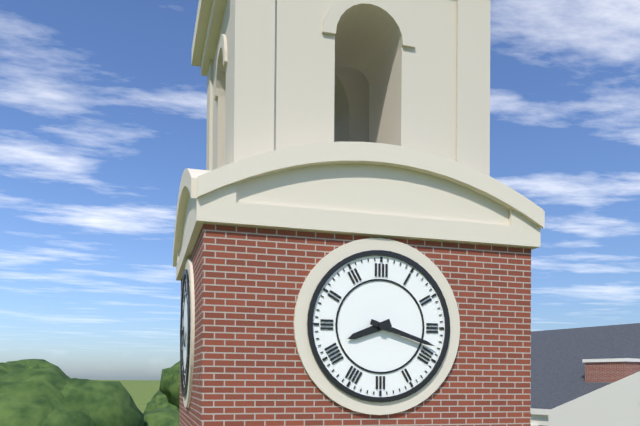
8:18
